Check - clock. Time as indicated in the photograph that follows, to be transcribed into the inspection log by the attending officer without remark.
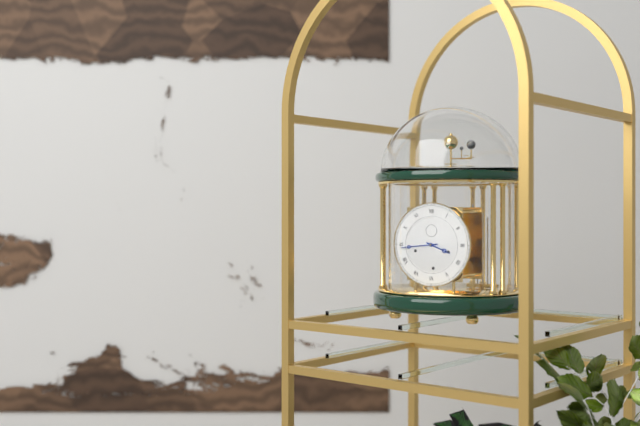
3:44
